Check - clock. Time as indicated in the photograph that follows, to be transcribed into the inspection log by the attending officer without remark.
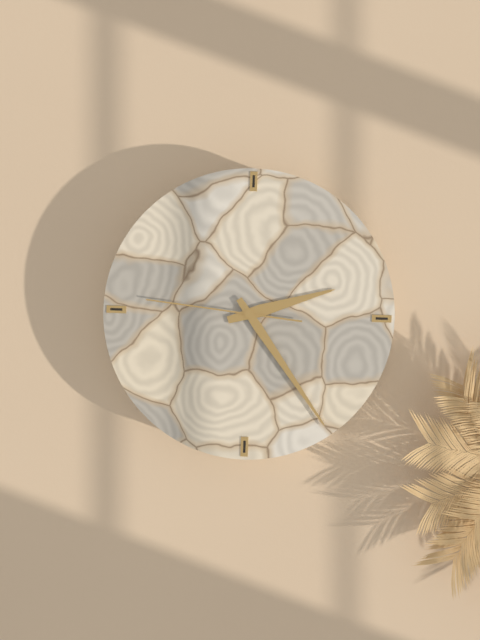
2:24:46
